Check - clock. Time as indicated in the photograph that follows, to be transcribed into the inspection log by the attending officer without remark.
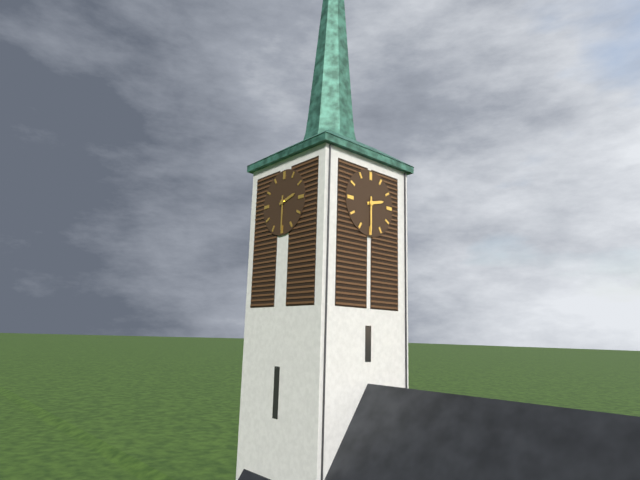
2:30
